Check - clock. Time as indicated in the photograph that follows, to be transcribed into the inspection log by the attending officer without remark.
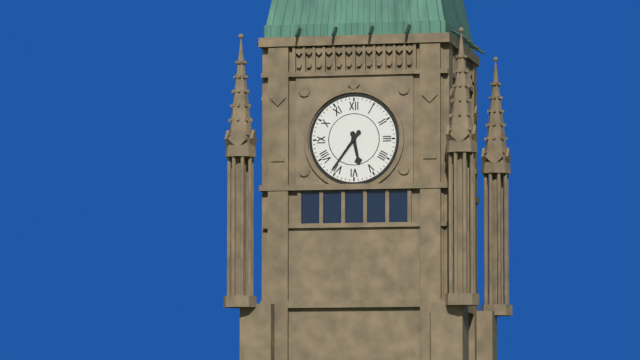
5:36
